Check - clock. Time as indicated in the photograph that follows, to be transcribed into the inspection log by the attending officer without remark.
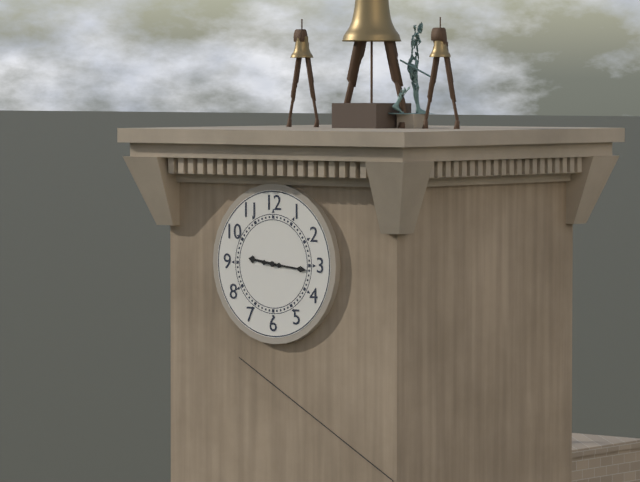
9:16
